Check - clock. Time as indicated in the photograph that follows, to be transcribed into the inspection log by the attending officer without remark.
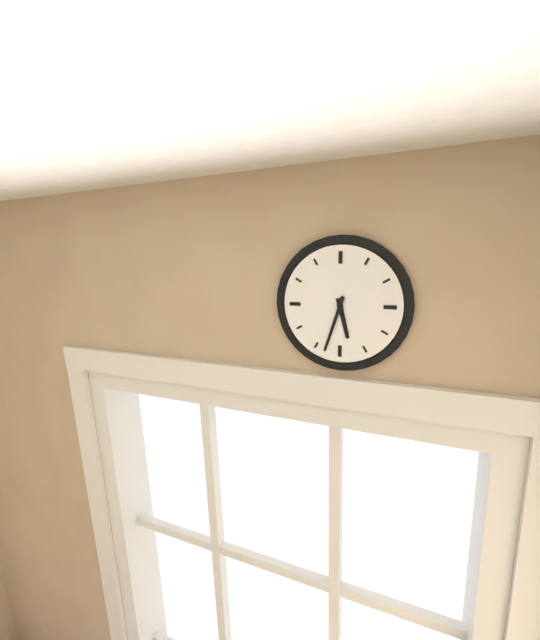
5:33
